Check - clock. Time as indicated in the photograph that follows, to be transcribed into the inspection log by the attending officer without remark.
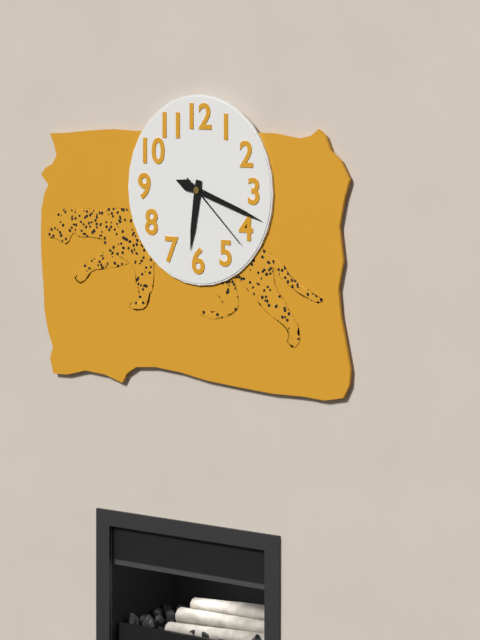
6:18:22
